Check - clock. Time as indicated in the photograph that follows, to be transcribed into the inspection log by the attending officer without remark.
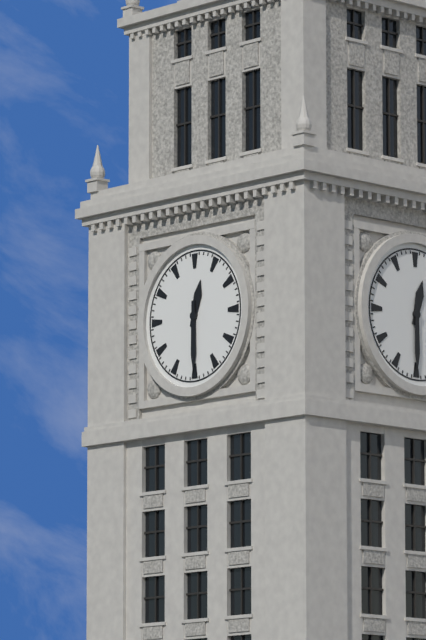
12:30
